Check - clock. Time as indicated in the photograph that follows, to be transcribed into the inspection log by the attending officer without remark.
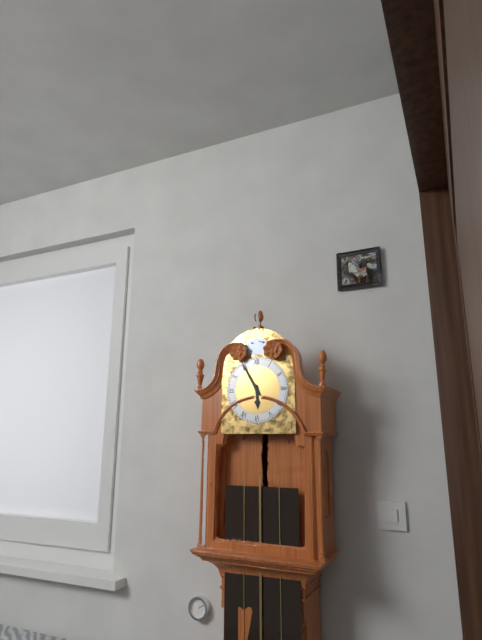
5:55
